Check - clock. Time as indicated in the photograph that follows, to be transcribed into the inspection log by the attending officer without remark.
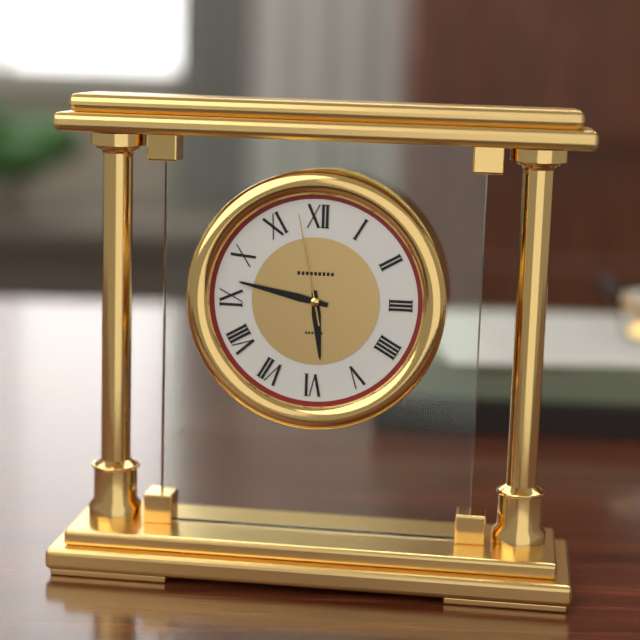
5:47:58
